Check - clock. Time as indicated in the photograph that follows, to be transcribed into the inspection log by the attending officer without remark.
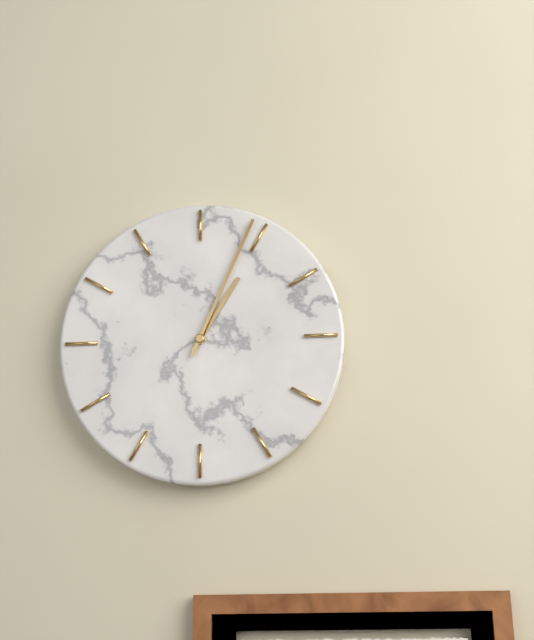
1:04
